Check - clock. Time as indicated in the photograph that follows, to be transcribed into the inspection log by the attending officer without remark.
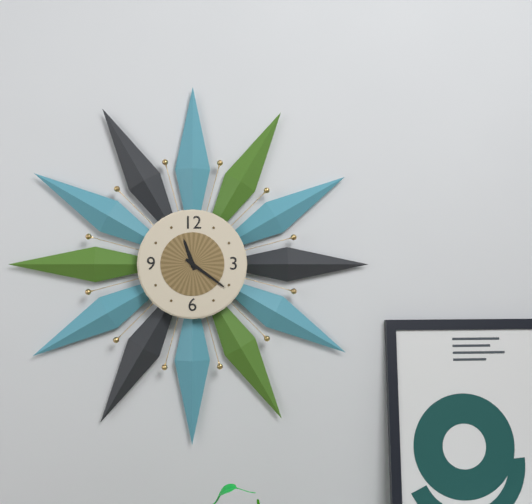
11:21
